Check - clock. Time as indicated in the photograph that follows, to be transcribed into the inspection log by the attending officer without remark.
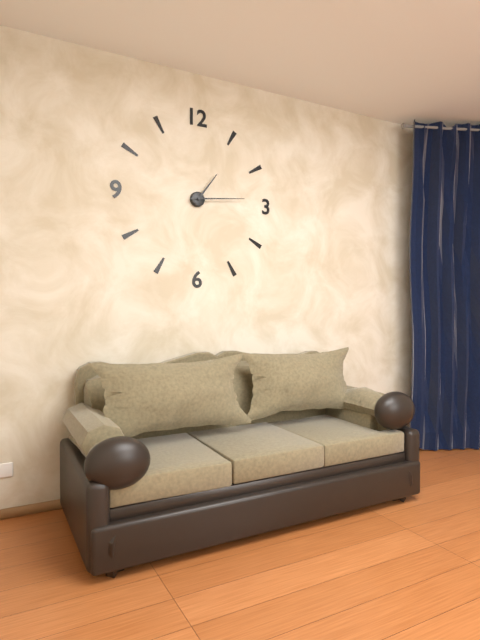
1:14
